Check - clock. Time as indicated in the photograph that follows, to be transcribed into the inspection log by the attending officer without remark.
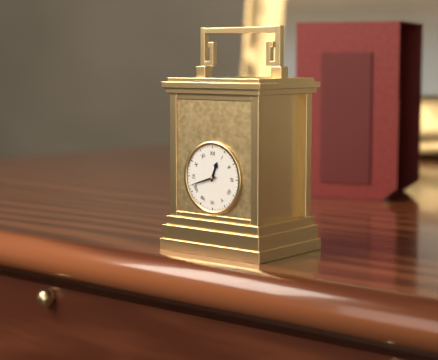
12:42
